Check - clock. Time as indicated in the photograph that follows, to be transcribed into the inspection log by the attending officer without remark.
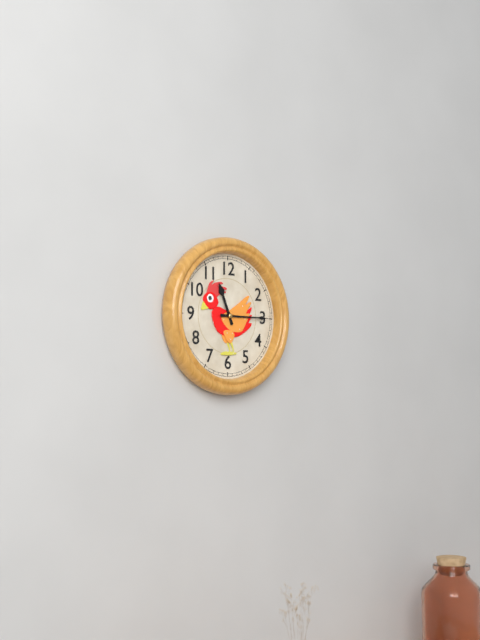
11:15
